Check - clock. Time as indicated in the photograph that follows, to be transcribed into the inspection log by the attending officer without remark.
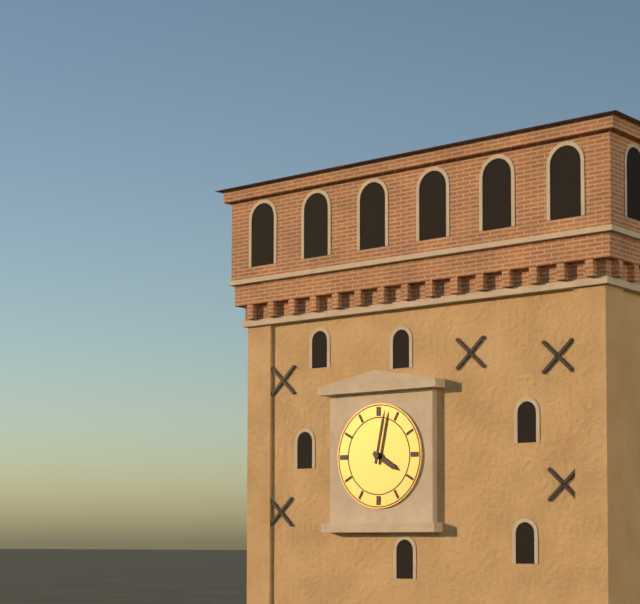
4:02
